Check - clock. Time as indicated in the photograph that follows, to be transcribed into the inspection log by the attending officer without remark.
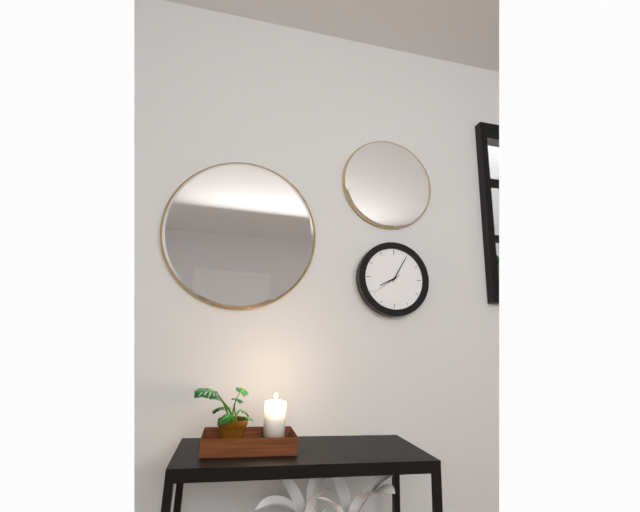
8:05
